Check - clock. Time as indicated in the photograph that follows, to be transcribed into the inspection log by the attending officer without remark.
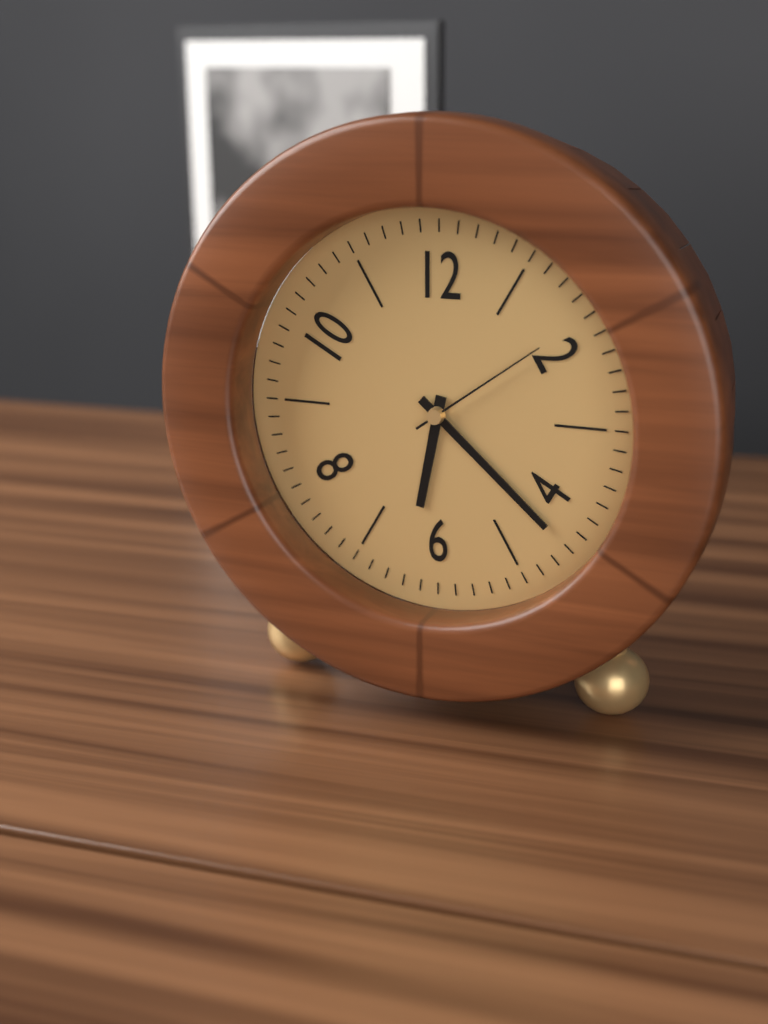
6:22:09
